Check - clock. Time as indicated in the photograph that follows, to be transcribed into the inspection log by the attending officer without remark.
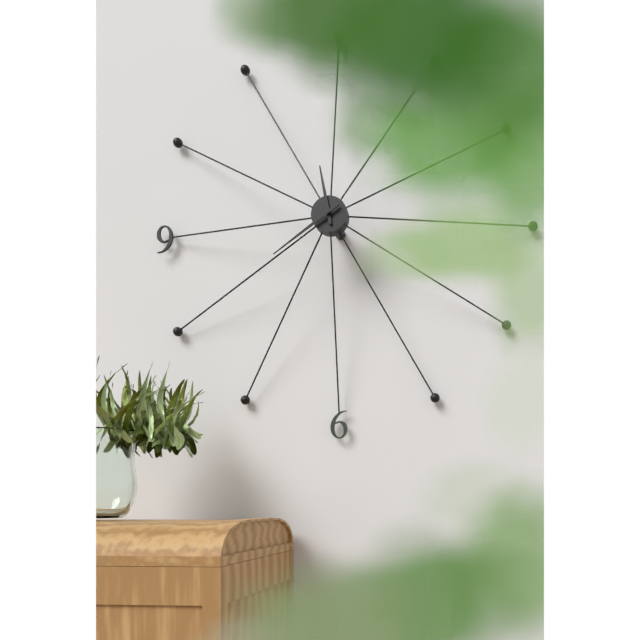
11:39
